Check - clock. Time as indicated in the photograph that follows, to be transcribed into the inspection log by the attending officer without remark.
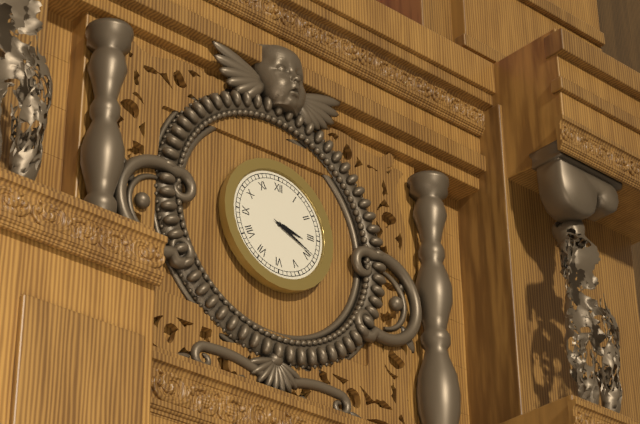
3:19
